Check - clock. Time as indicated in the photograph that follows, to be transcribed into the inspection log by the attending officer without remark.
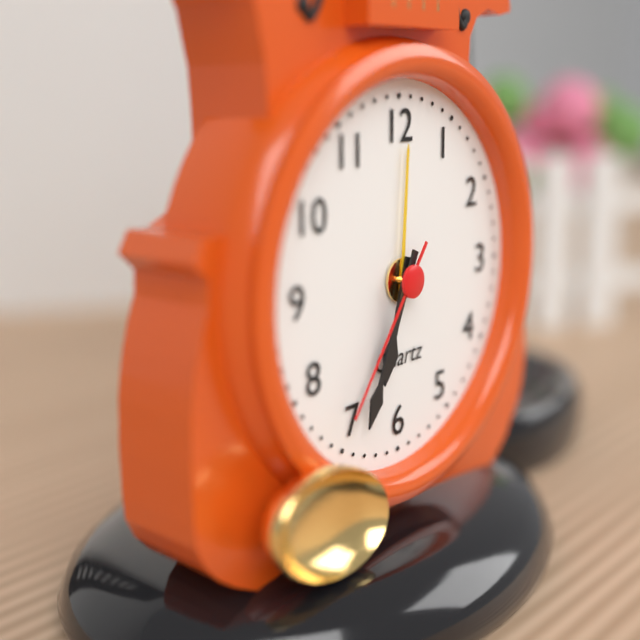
6:34:36
